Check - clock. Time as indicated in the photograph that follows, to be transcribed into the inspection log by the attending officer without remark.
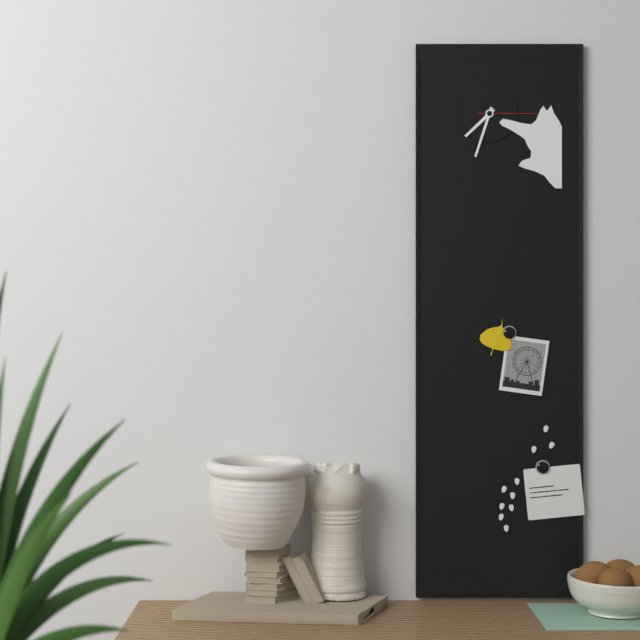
7:33:15
